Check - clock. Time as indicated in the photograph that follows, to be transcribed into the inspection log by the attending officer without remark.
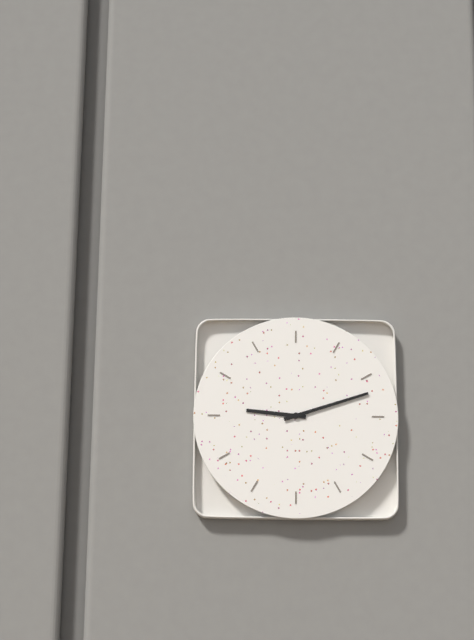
9:12
